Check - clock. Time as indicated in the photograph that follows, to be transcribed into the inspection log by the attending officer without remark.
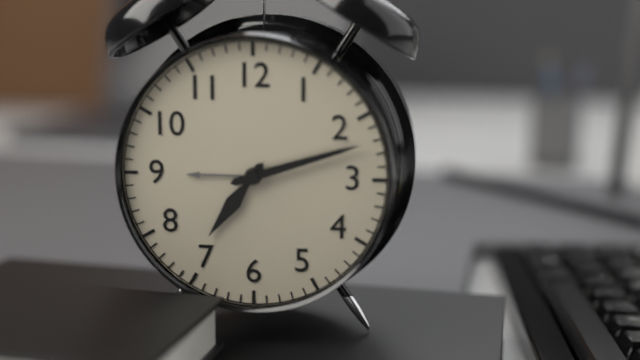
7:12
